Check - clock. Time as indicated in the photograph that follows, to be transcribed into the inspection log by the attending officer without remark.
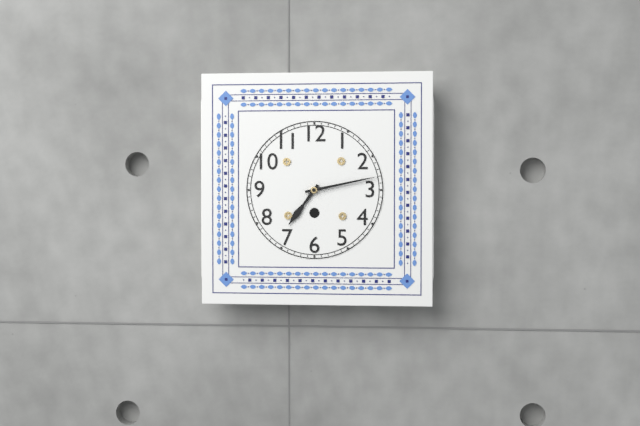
7:13
